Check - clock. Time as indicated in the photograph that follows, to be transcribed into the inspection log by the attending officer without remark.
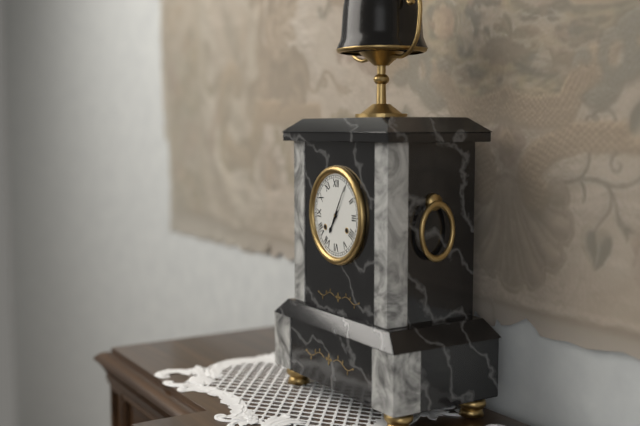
7:05
